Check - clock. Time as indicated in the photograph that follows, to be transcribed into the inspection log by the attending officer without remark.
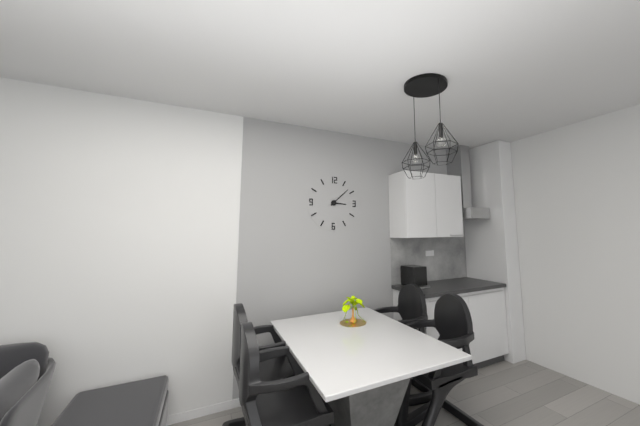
3:08
